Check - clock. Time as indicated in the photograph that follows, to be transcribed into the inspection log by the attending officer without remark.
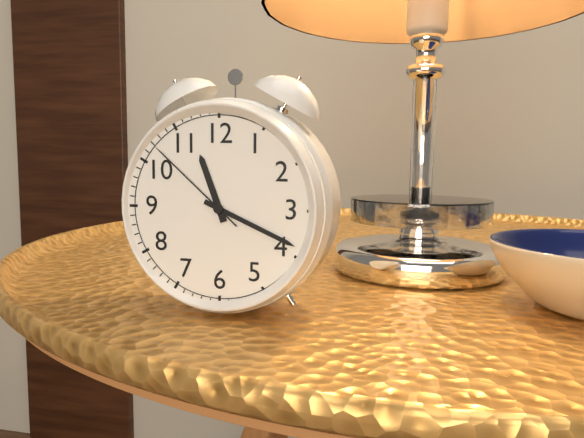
11:19:52
